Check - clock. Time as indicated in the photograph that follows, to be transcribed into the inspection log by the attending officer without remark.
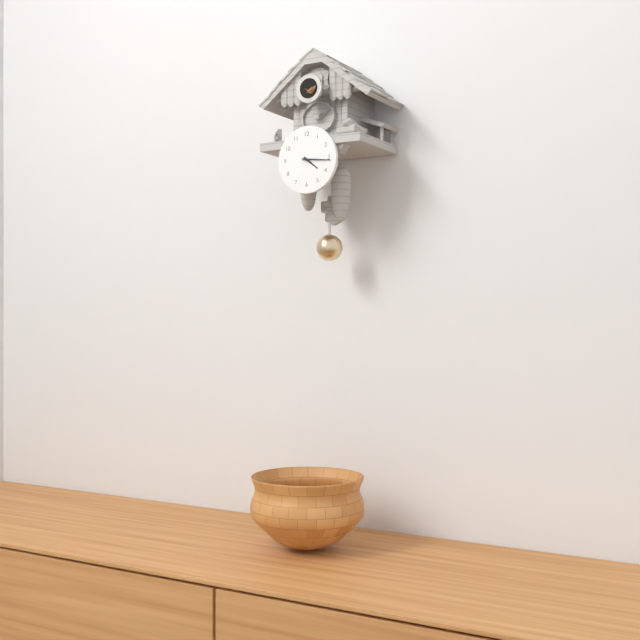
4:16
